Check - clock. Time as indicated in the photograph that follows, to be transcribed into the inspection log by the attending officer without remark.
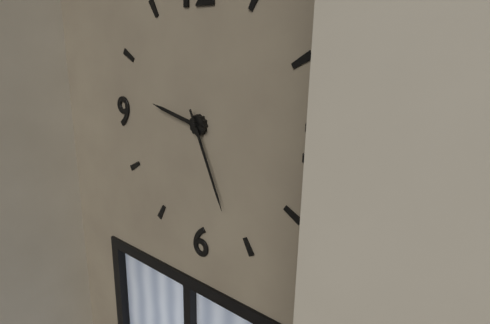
9:26
